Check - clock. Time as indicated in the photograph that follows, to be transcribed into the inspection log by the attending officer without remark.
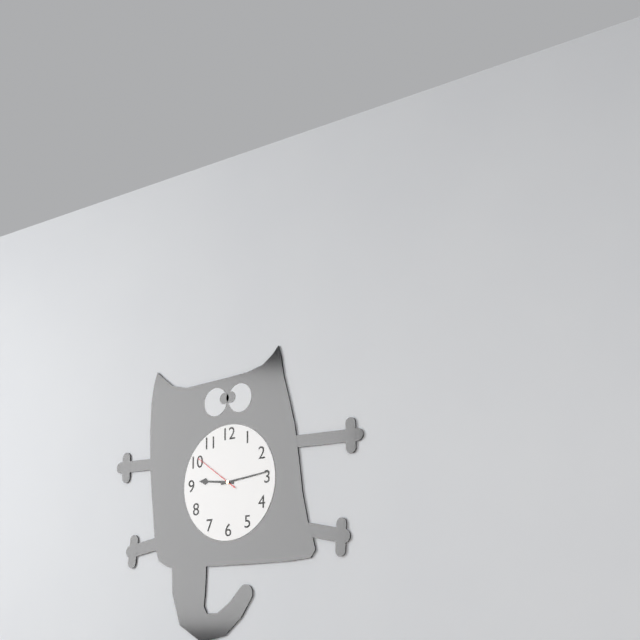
9:14
